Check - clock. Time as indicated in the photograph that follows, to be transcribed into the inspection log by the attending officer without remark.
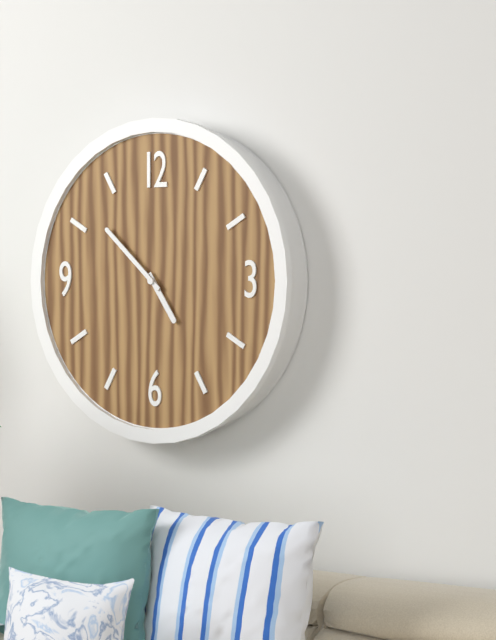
4:52
